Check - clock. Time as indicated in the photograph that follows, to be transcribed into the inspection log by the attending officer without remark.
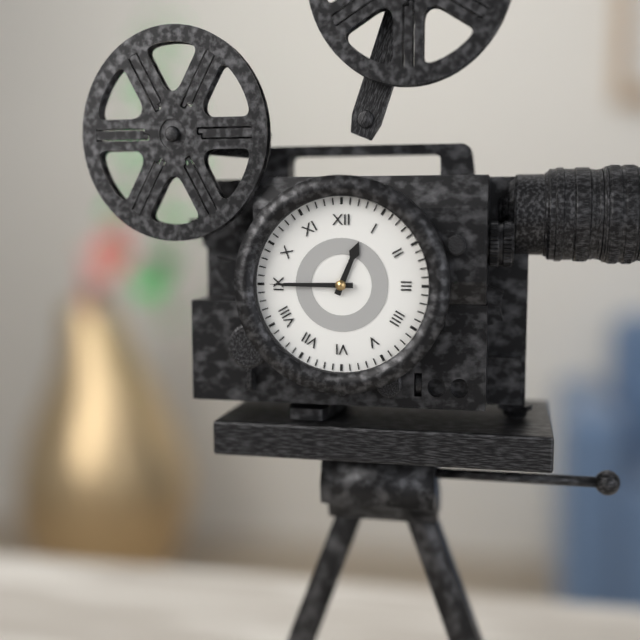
12:45
